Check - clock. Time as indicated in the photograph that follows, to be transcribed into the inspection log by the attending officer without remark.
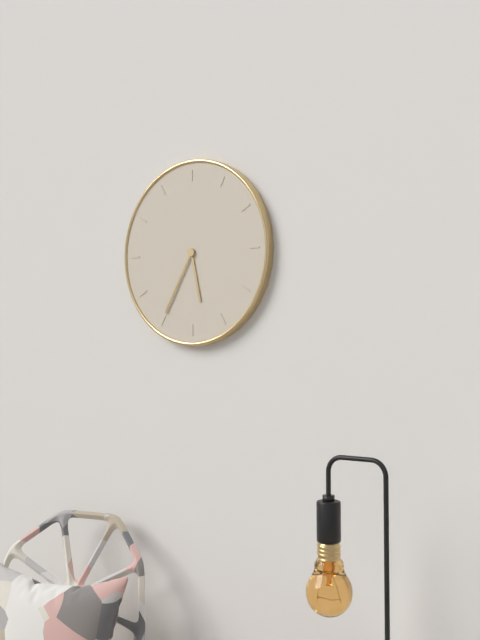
5:35
